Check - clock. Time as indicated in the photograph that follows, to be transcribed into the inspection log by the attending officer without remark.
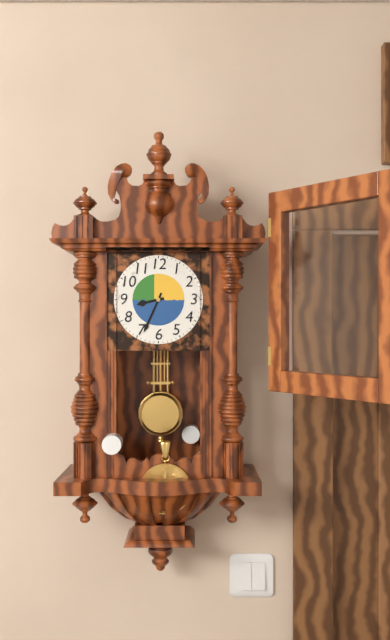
8:34
